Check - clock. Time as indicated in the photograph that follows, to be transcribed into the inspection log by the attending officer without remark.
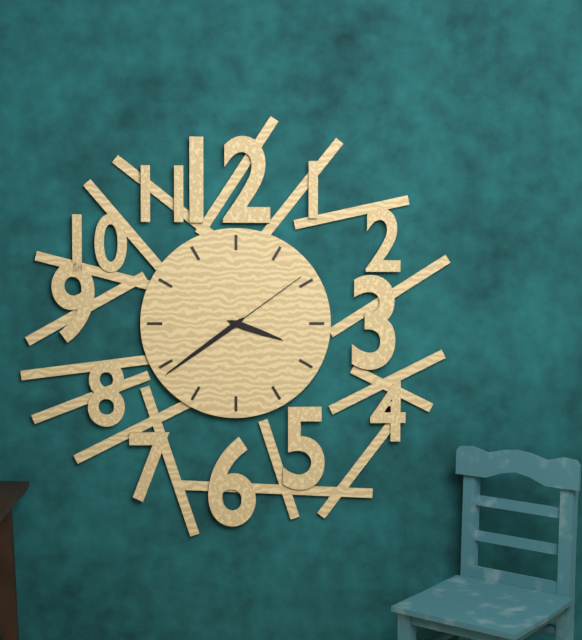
3:39:09
